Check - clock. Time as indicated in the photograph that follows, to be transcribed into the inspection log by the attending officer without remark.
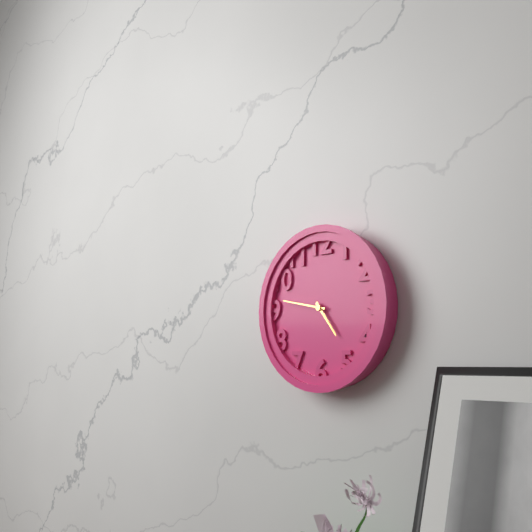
4:47
